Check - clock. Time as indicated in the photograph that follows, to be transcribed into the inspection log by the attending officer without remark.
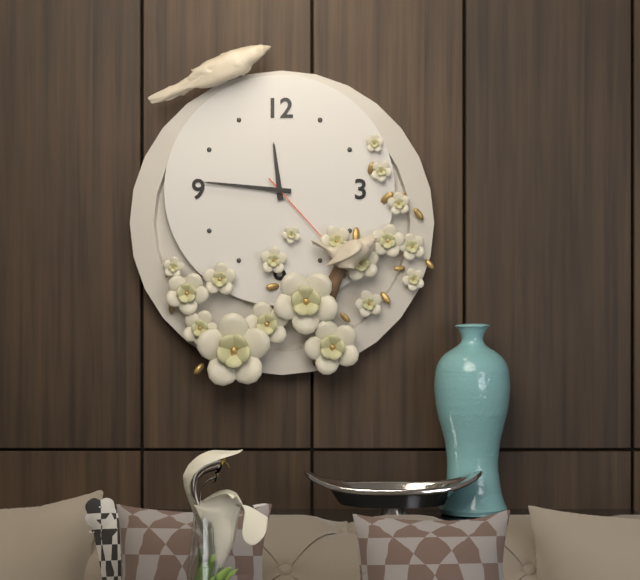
11:46:23
